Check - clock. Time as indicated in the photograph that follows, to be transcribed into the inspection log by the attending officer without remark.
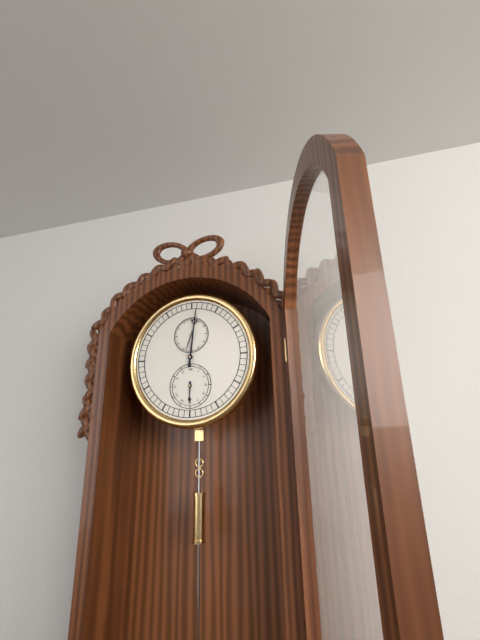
6:01
